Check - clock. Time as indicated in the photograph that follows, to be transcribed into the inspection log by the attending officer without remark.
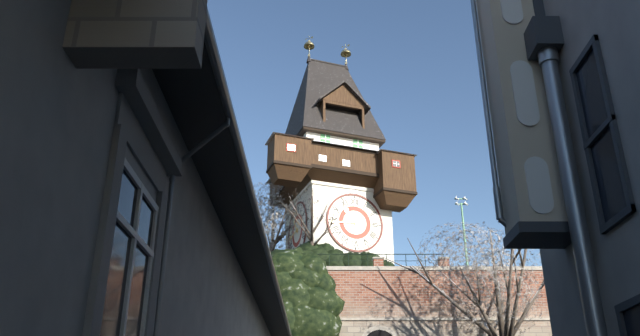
10:44
